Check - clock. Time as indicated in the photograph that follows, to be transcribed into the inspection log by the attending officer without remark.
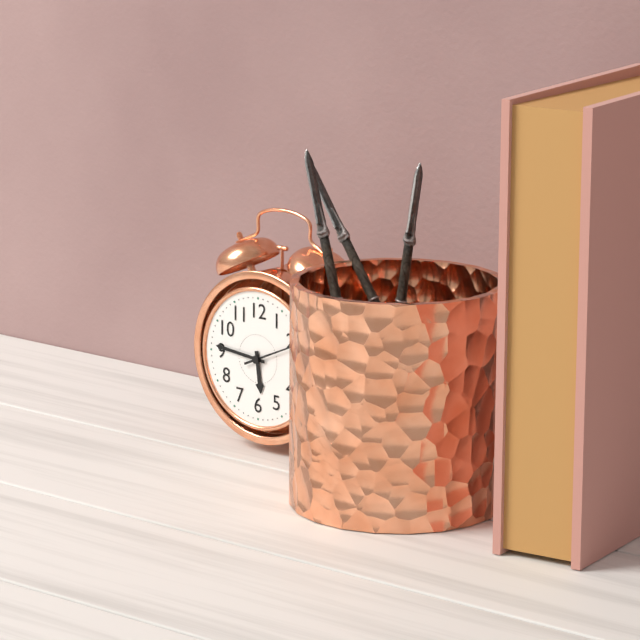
5:46:11
